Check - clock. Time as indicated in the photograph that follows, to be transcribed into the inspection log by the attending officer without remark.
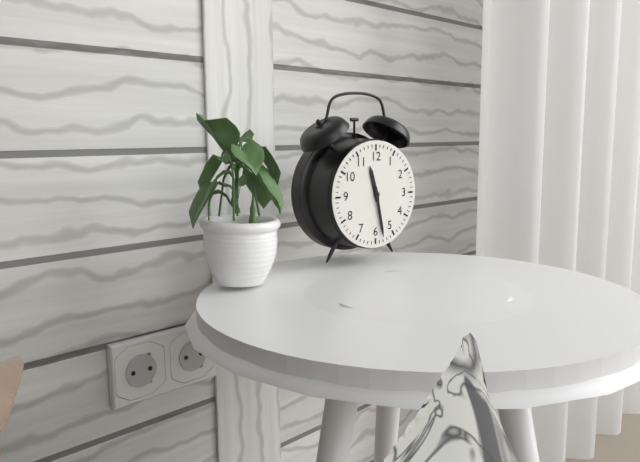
11:28
